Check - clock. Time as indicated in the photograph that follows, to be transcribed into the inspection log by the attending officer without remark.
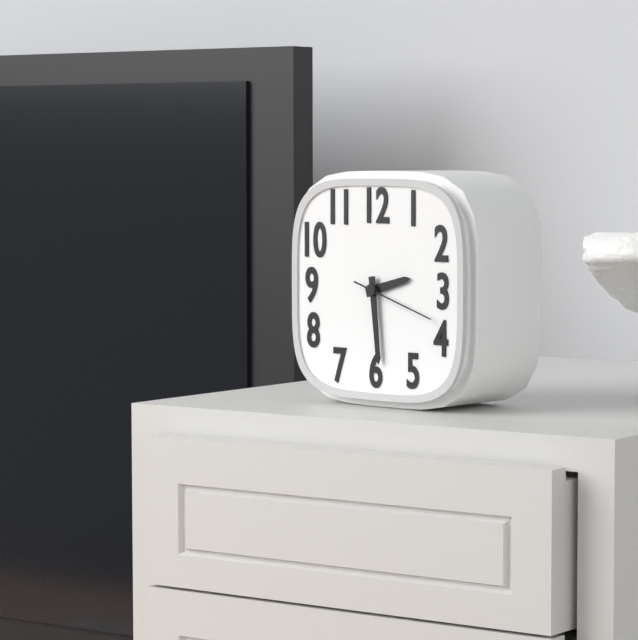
2:29:18
